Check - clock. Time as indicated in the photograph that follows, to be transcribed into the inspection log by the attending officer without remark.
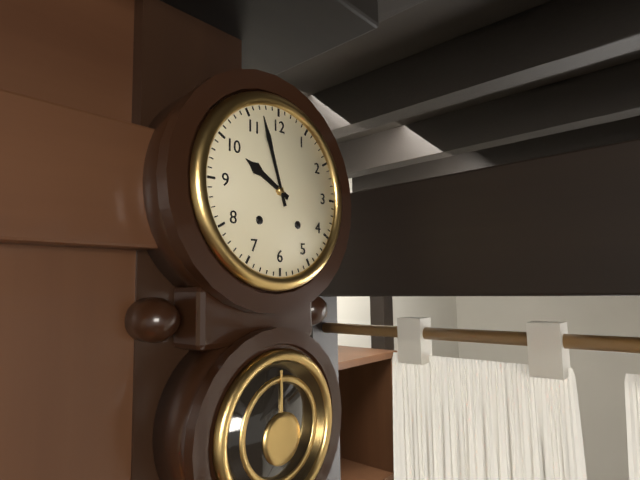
9:57
